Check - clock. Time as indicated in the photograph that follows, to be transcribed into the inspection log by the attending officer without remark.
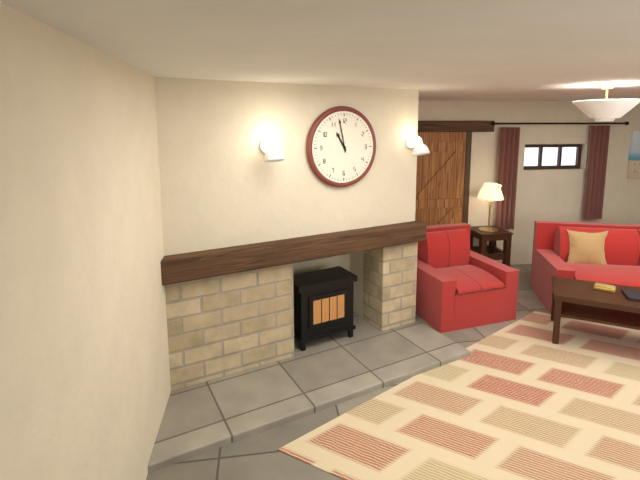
10:58
